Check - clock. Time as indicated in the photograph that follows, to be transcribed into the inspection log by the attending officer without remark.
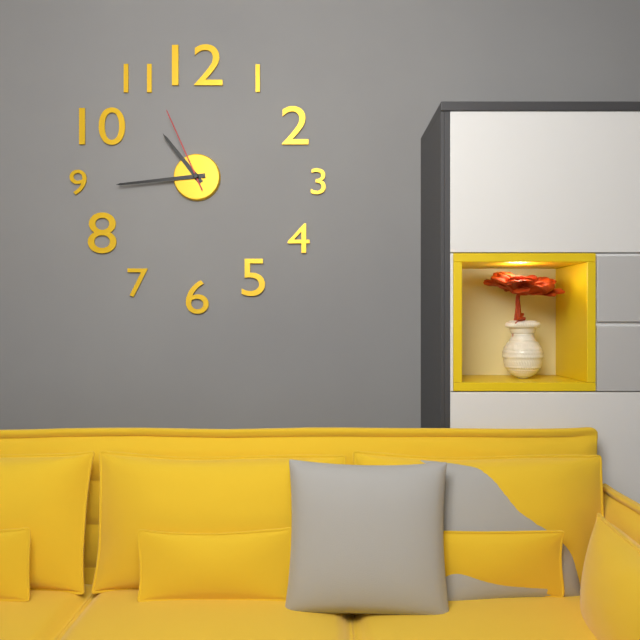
10:44:56
